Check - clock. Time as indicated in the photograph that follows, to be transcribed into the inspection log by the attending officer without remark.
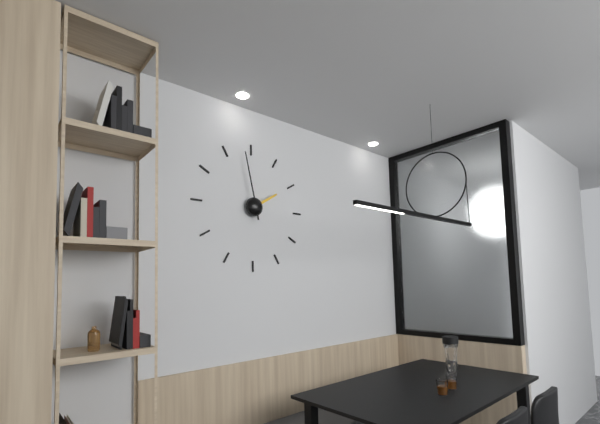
1:58
